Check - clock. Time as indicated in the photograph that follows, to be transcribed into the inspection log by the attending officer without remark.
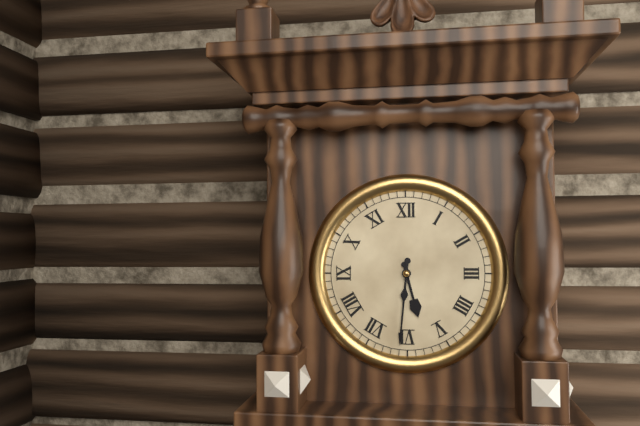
5:31
